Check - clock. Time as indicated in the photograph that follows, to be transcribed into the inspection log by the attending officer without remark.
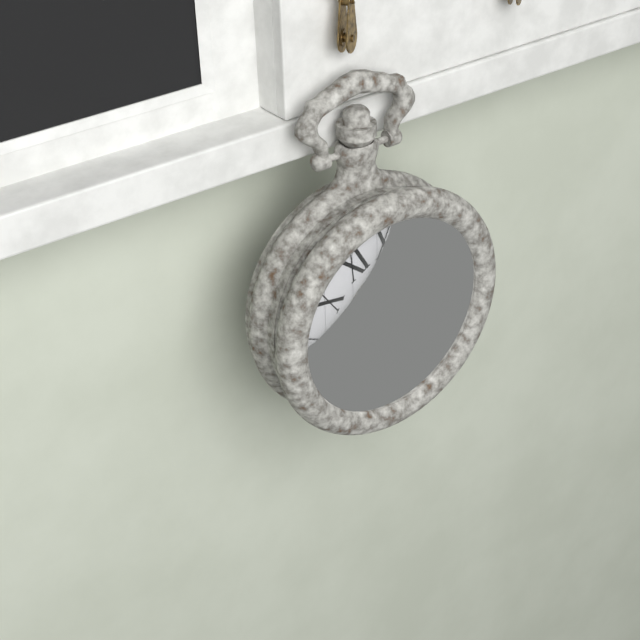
9:06
